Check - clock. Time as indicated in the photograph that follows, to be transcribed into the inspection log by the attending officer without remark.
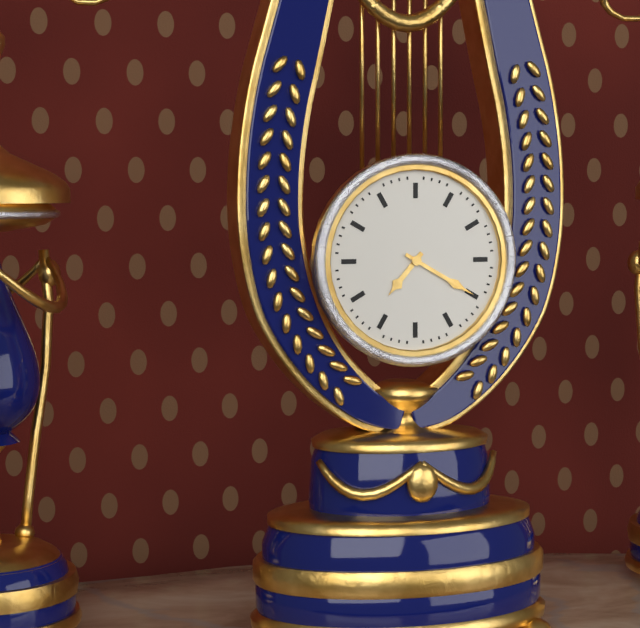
7:20
